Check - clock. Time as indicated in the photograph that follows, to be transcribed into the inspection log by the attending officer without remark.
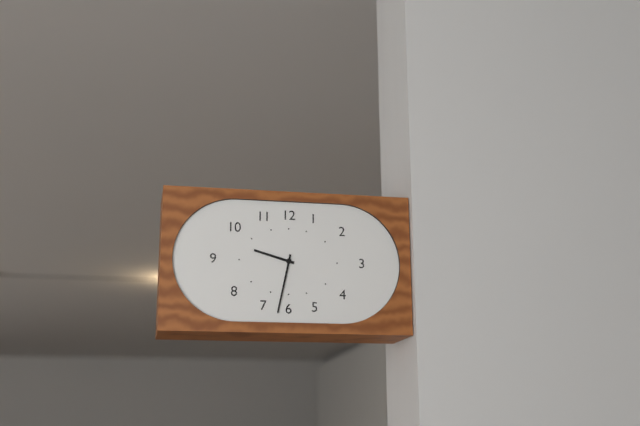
9:32
